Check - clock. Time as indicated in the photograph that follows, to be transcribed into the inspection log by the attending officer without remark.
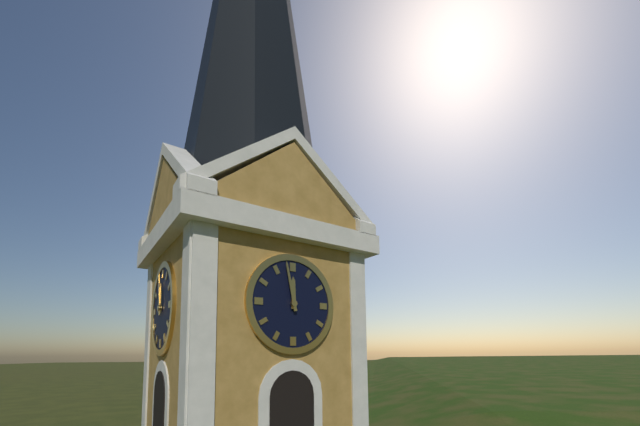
11:58
